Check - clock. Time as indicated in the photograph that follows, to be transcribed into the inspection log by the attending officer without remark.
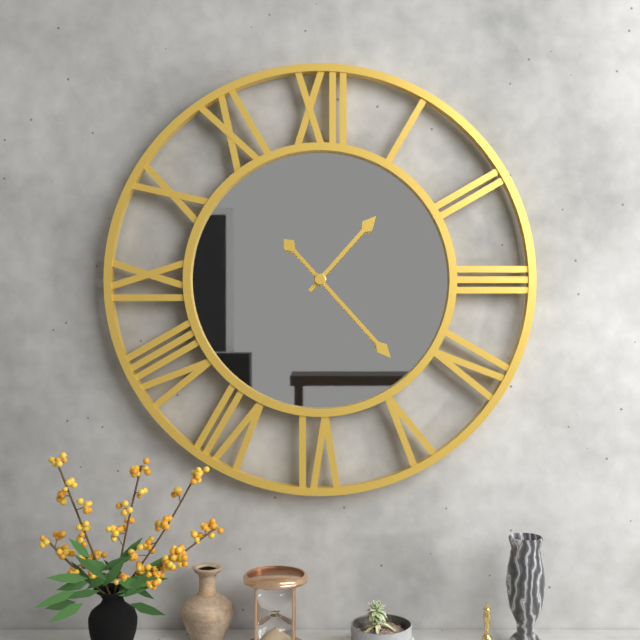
1:23
